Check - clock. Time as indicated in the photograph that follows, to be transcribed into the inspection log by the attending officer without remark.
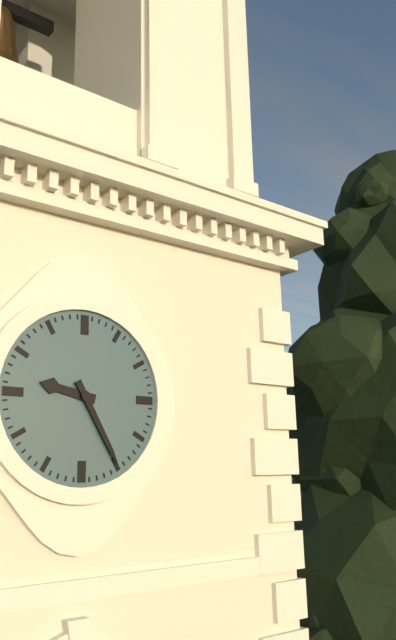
9:25
